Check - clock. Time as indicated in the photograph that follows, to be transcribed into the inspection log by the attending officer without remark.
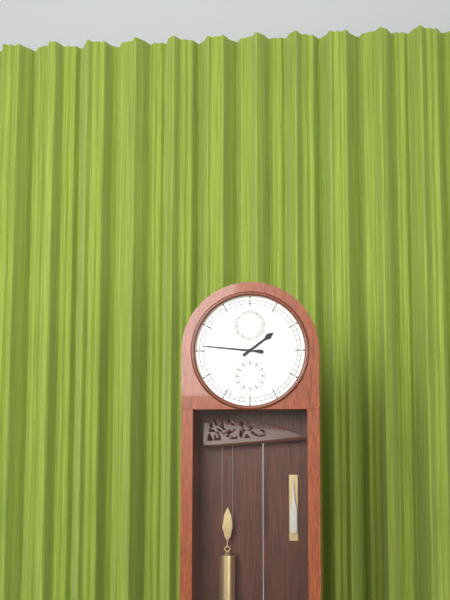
1:46
